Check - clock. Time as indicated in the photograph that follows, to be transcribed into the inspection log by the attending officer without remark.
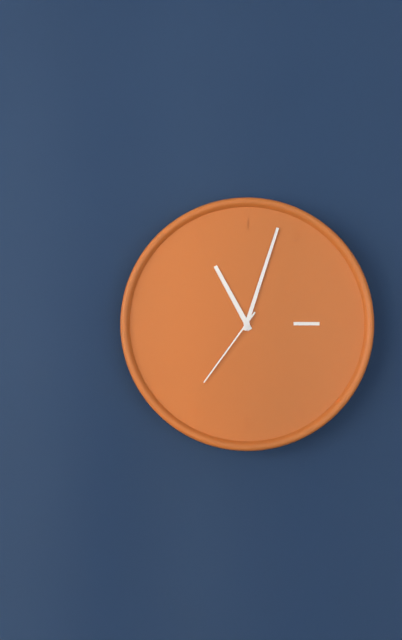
11:03:36
